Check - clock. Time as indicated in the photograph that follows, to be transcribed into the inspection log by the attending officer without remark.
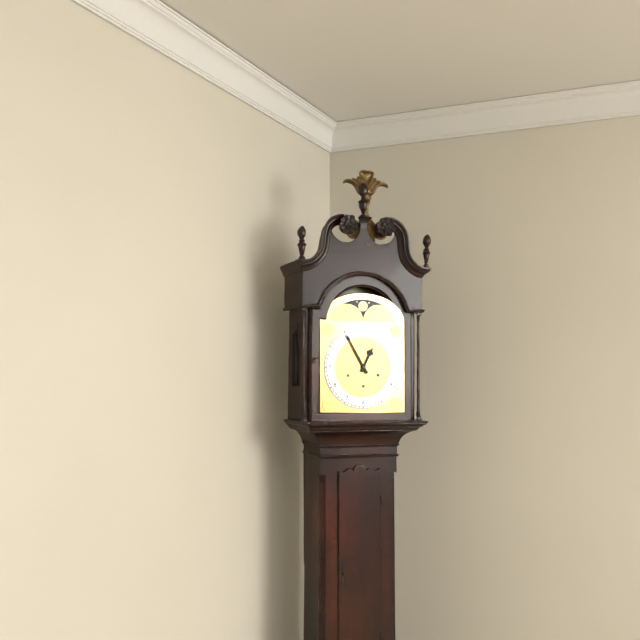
12:55
